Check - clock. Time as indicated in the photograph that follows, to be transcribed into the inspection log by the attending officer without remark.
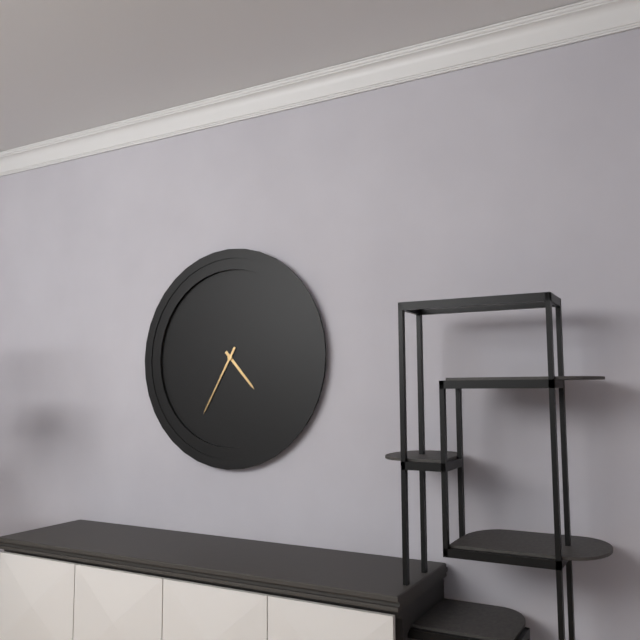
4:35
